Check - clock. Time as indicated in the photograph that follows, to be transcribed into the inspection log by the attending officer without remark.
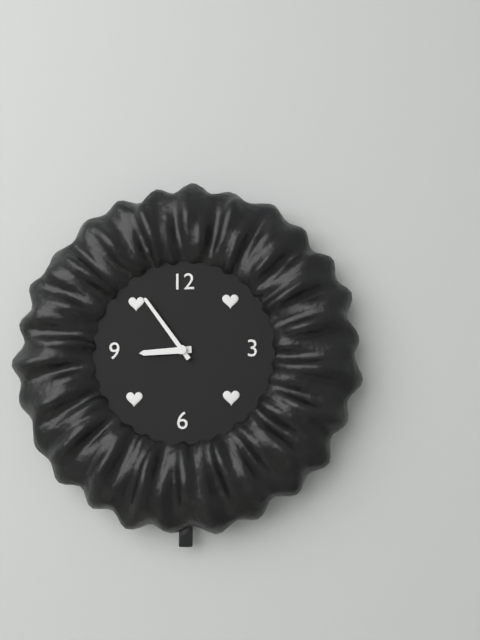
8:54
